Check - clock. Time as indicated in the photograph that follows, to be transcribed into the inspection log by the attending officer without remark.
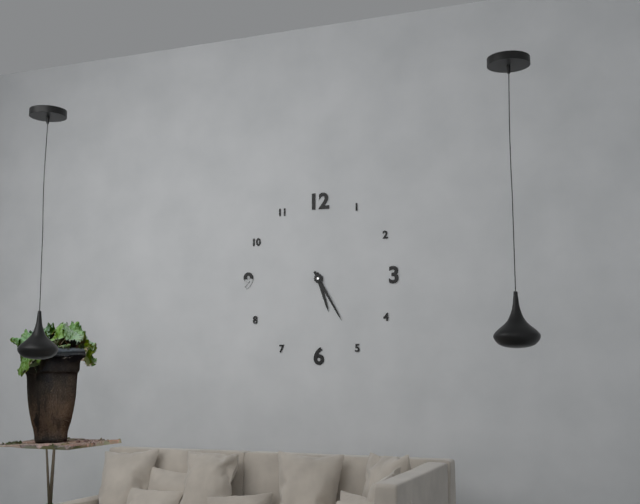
5:25
